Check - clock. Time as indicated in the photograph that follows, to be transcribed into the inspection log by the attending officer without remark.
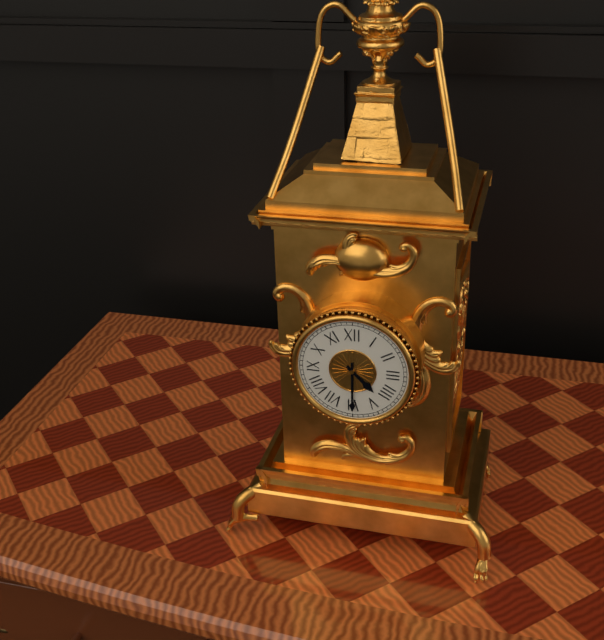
4:30
